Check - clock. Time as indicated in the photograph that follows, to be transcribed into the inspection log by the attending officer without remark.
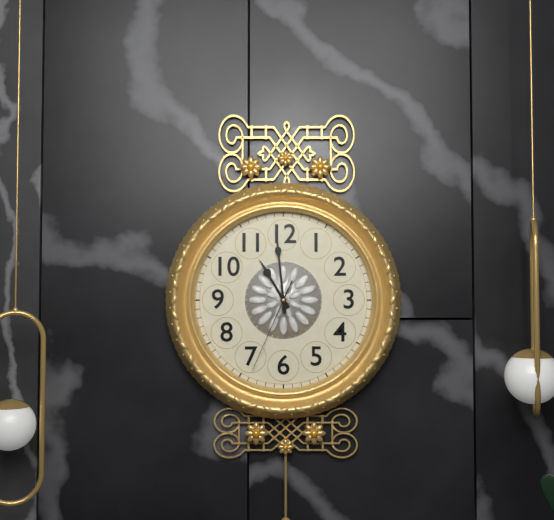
10:59:34
